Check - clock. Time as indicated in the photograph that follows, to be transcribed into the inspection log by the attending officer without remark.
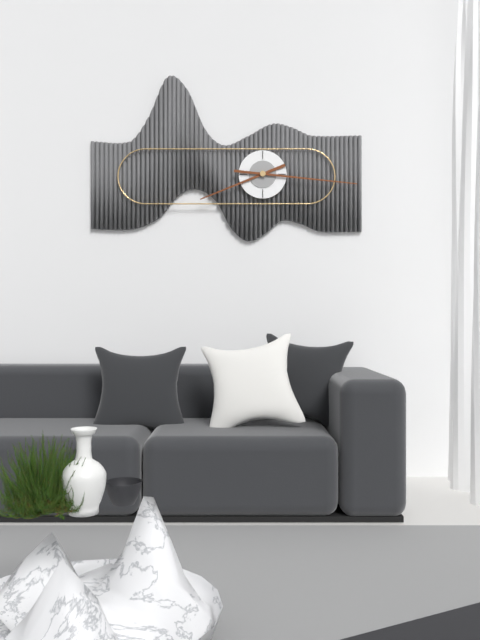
8:16
